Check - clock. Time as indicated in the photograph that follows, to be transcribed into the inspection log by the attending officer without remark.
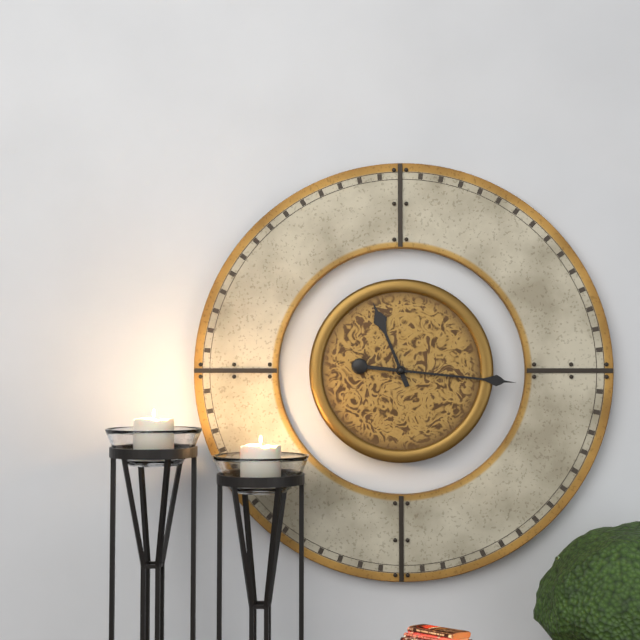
11:16
